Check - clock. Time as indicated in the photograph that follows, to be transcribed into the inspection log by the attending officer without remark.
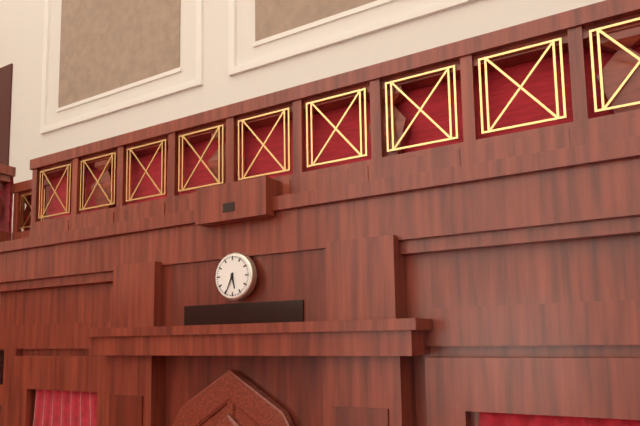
5:34
